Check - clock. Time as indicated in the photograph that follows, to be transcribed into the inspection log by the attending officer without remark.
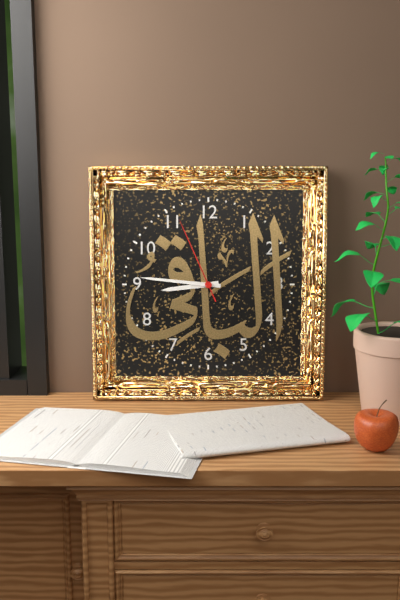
8:46:56
